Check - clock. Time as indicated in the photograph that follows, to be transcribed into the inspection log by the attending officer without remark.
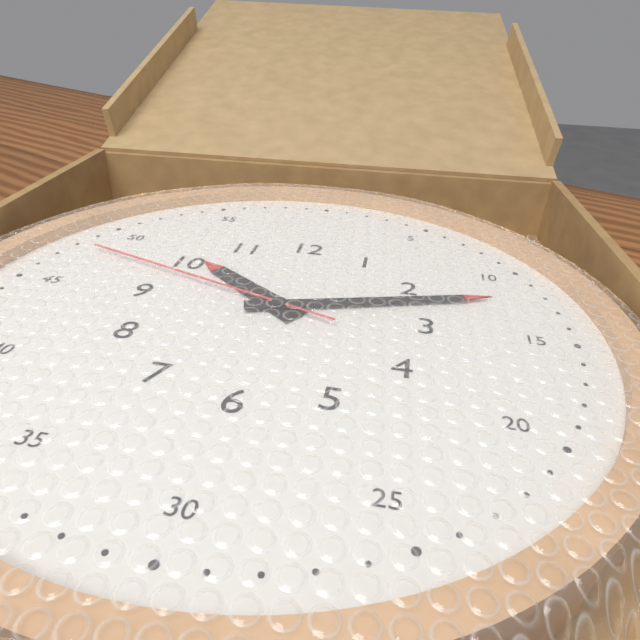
10:12:48
